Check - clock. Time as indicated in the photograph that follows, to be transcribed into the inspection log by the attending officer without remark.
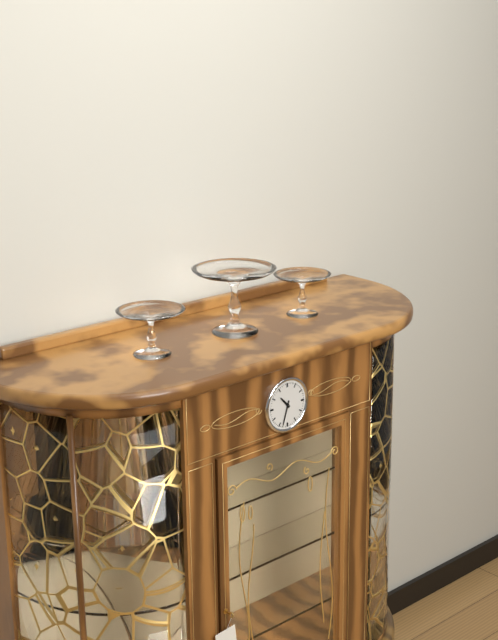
10:33
